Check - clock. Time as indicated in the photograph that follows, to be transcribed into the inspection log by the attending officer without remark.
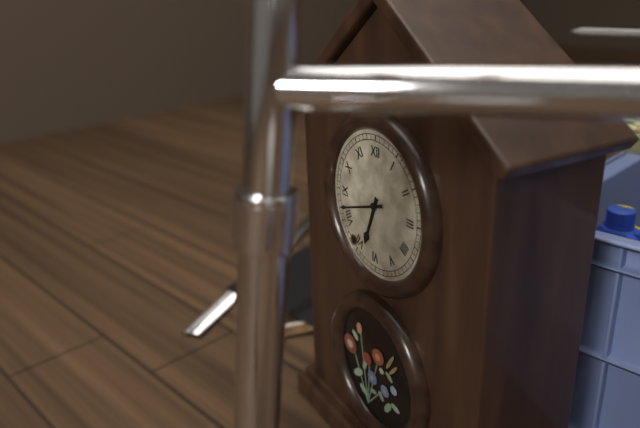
6:42
